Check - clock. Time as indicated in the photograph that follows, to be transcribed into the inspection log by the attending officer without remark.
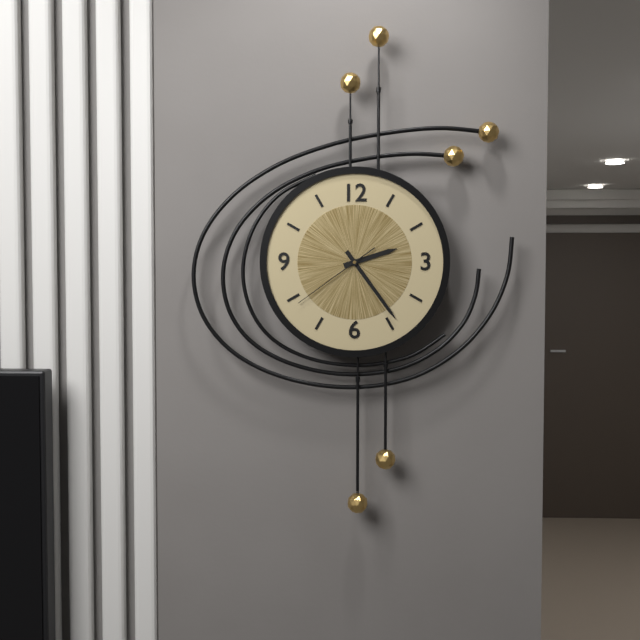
2:24:39
